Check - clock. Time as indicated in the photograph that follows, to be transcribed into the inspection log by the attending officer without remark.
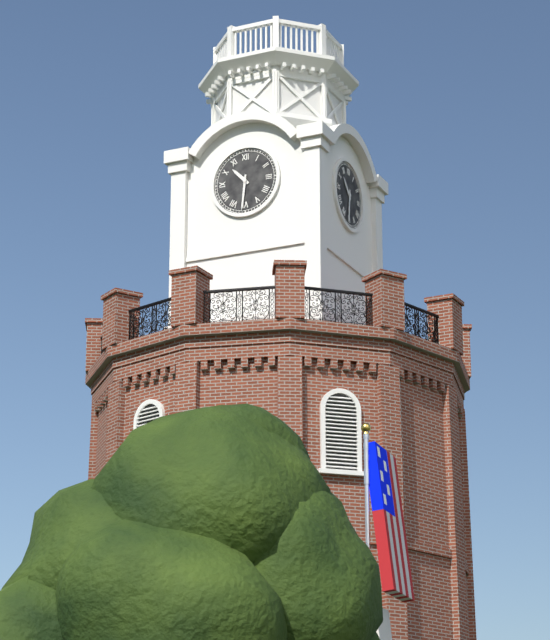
10:31
